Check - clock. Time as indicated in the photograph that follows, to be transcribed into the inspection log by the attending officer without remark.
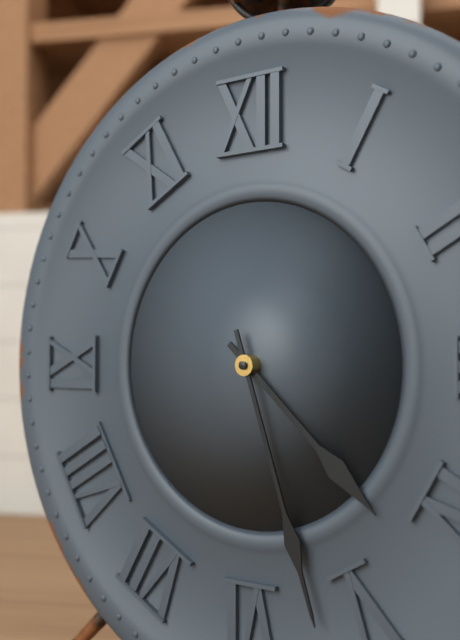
4:27
